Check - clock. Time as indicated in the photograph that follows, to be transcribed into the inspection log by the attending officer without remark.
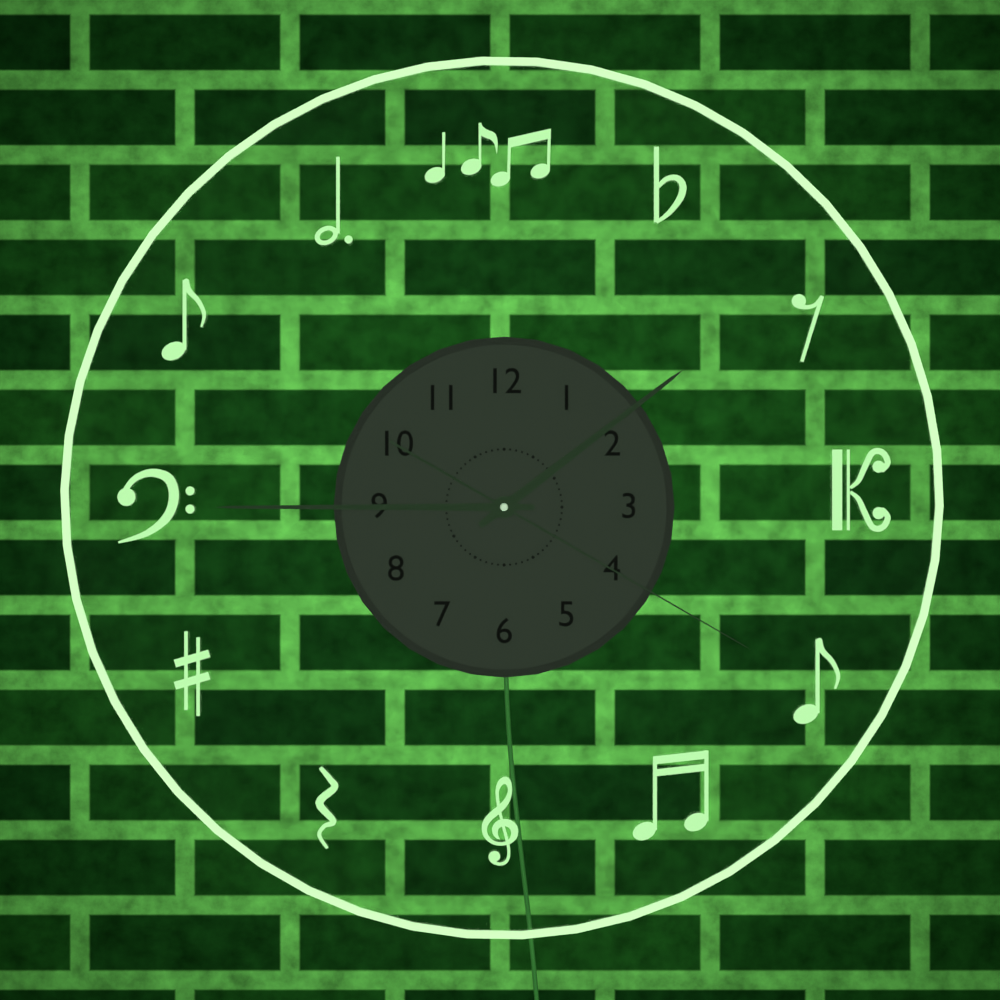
1:45:20
